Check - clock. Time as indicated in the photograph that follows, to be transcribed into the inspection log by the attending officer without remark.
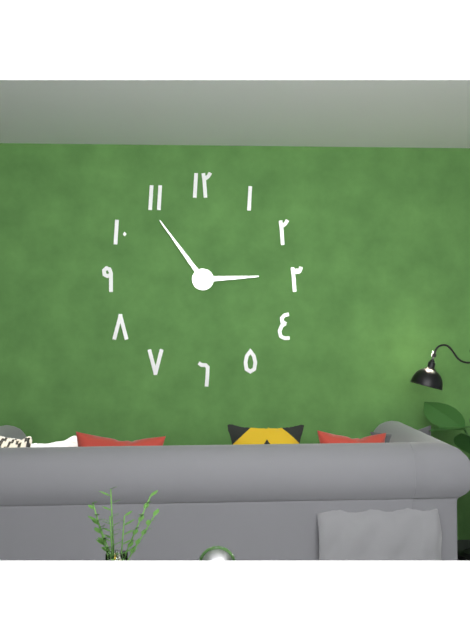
2:54
